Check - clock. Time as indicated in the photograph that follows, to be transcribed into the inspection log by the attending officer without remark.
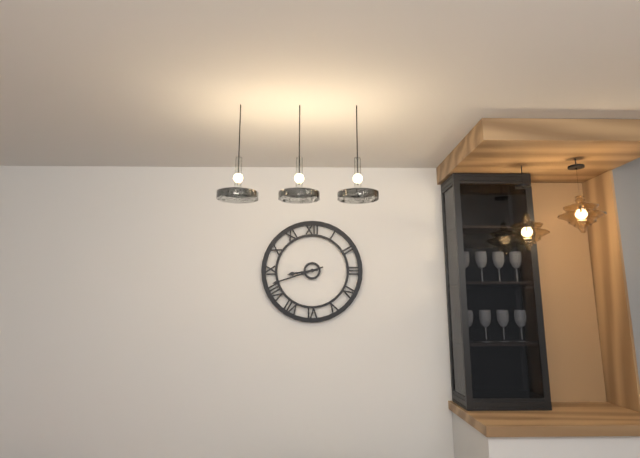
8:42
